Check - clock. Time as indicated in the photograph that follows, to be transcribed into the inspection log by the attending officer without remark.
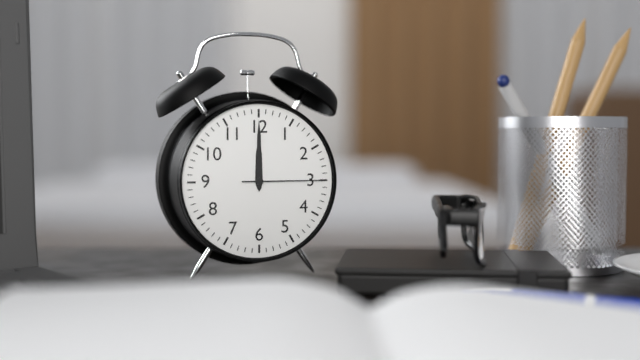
12:00:15
